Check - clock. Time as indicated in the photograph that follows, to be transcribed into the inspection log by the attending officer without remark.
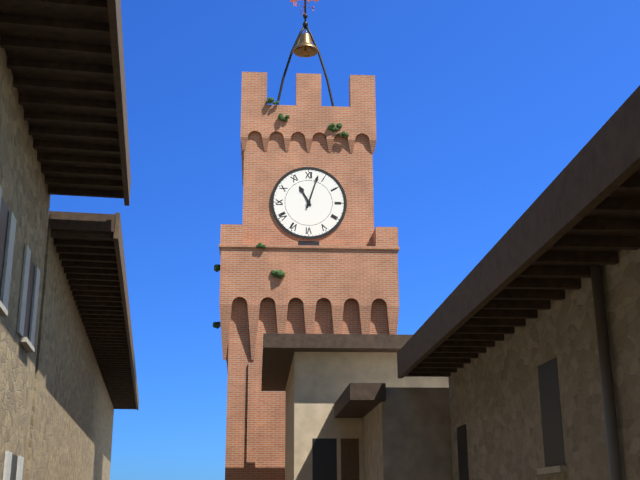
11:03
